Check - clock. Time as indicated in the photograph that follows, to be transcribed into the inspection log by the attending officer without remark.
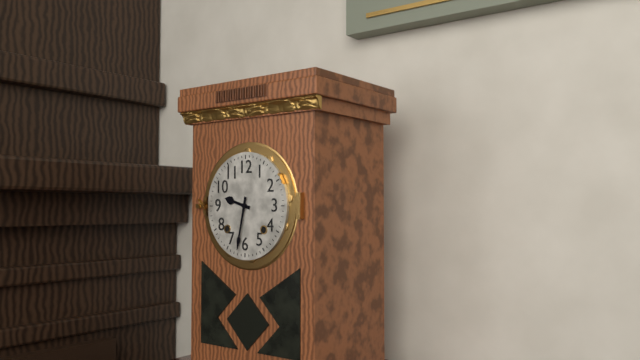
9:32
